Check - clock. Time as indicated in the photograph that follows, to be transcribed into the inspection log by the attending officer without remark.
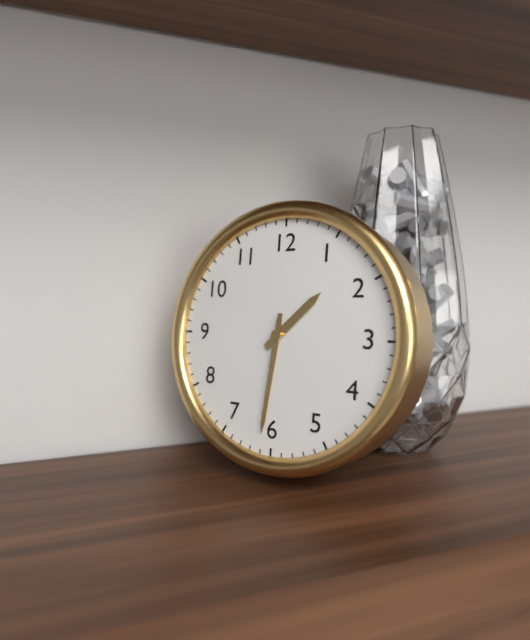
1:31
